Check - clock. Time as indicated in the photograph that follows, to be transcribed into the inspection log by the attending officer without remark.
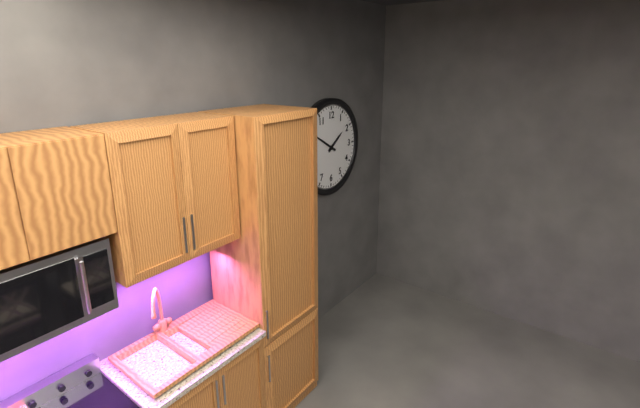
1:50
